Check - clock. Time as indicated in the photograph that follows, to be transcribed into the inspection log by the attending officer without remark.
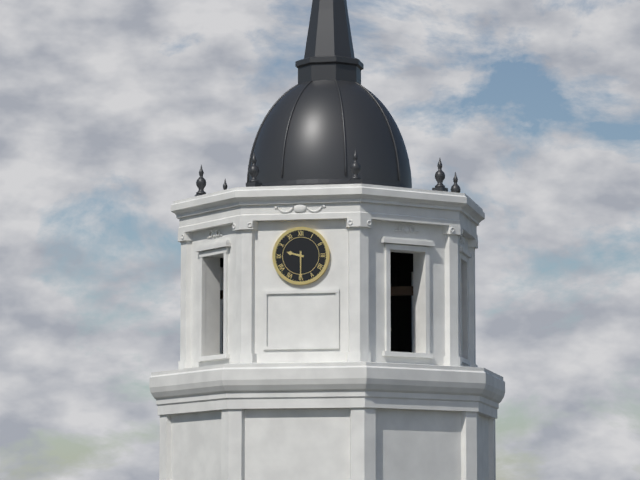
9:30
